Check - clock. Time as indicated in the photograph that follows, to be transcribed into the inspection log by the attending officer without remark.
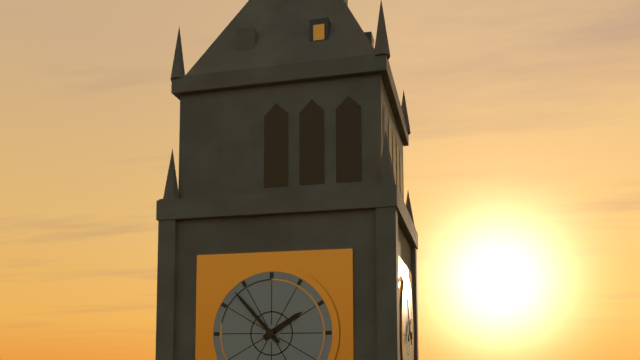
1:53
